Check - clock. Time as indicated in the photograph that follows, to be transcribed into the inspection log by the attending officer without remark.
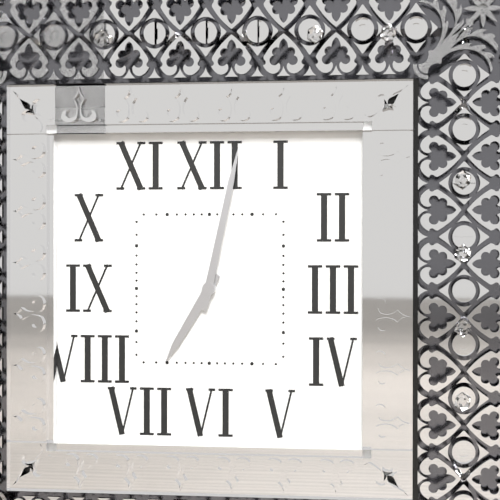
7:02
